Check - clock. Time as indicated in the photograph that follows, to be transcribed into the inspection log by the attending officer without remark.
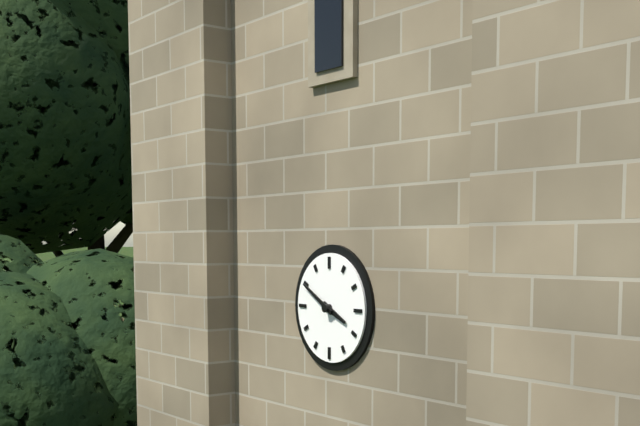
3:50
